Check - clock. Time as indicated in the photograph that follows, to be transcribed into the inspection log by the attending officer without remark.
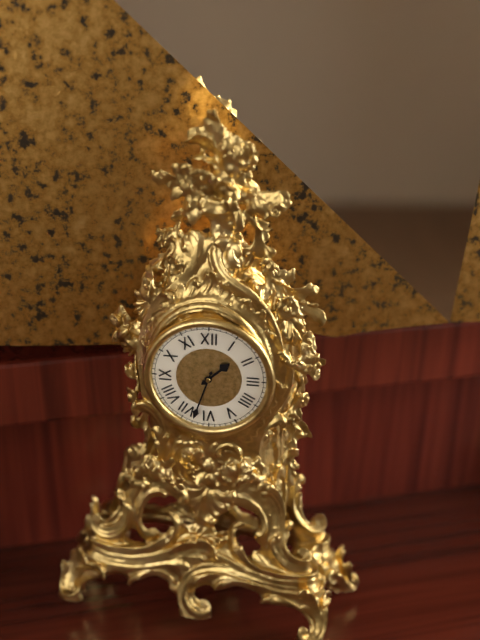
1:33
